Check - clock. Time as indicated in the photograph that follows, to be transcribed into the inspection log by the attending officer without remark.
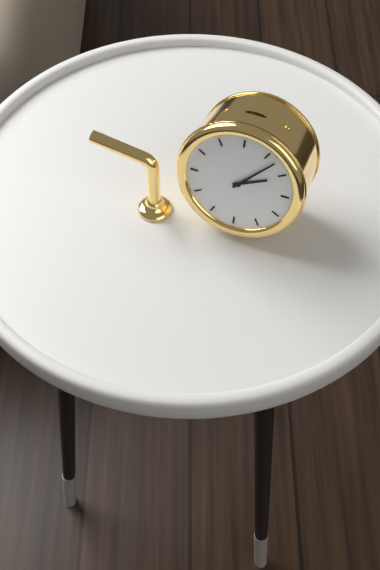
2:07
